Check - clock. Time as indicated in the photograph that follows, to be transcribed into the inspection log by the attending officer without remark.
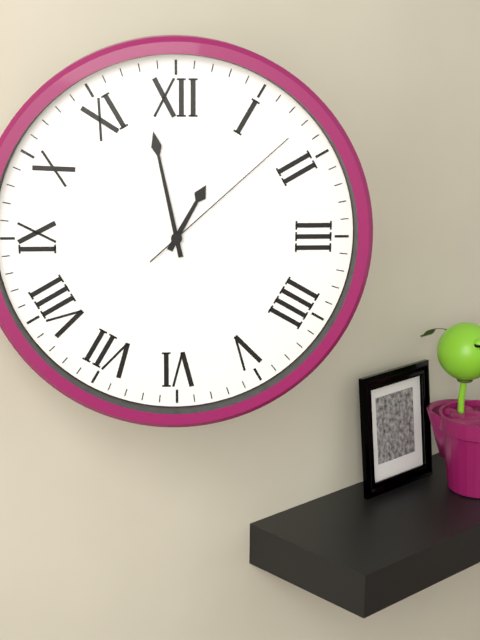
12:58:08
